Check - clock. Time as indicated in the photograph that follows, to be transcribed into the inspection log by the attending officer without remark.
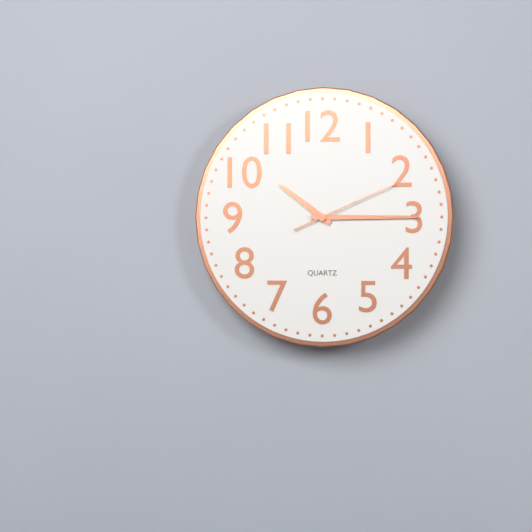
10:15:11
